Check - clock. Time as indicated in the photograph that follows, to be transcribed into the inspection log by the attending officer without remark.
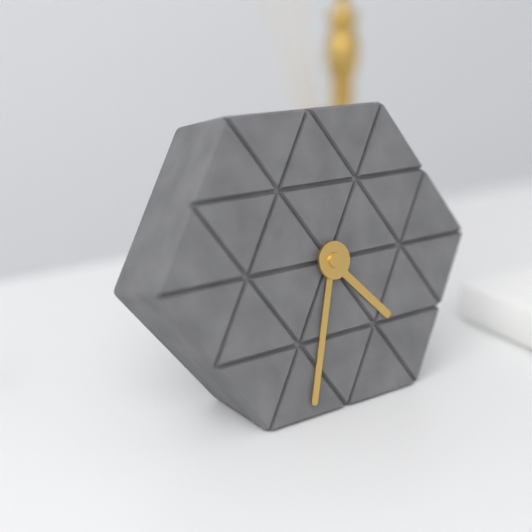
4:33
